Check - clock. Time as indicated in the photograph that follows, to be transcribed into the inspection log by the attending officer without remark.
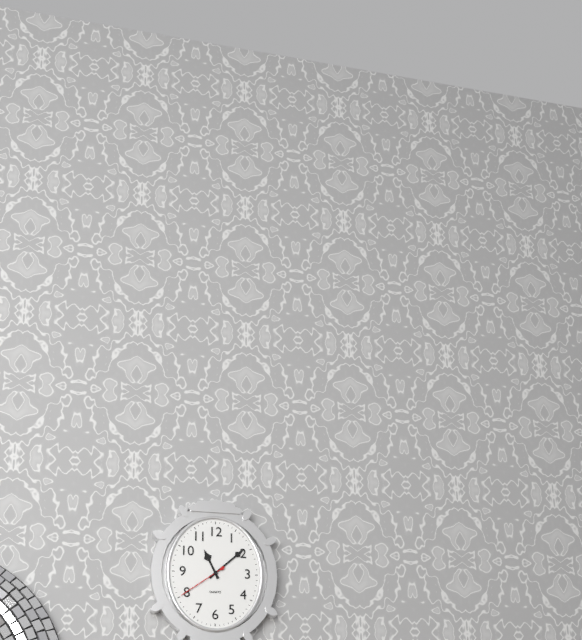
11:08:39
